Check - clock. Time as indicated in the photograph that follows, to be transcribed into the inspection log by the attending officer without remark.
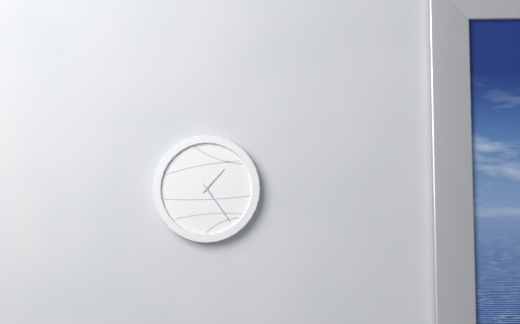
1:24
